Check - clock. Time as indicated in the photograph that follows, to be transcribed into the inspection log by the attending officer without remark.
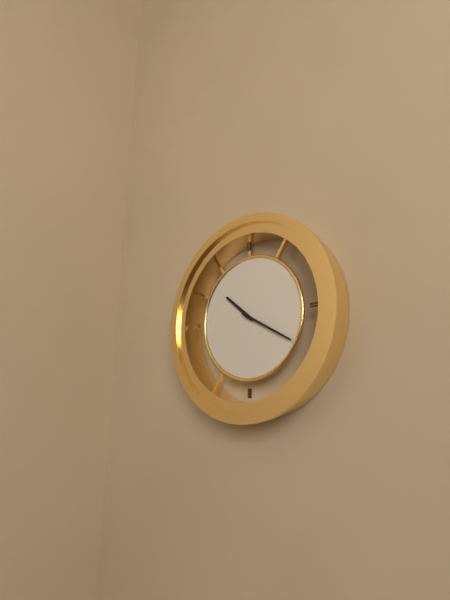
10:20
